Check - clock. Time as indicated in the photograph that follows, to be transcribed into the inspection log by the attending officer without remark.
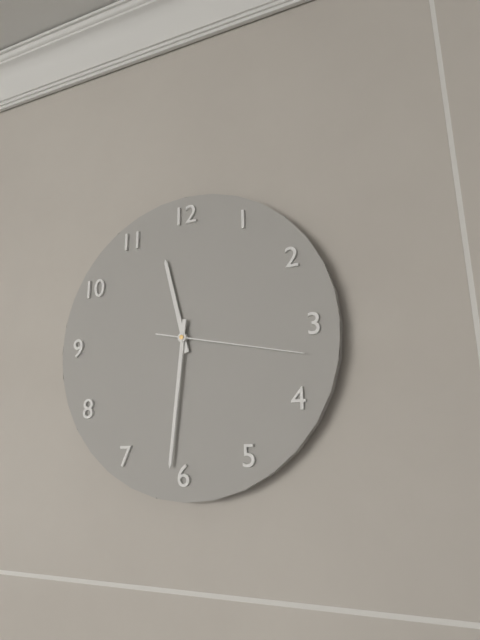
11:31:17
